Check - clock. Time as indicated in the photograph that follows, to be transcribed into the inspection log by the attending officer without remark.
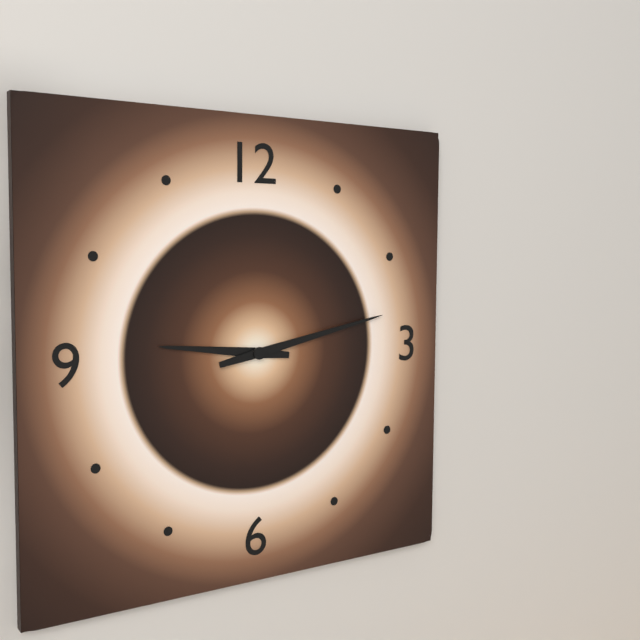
9:13
